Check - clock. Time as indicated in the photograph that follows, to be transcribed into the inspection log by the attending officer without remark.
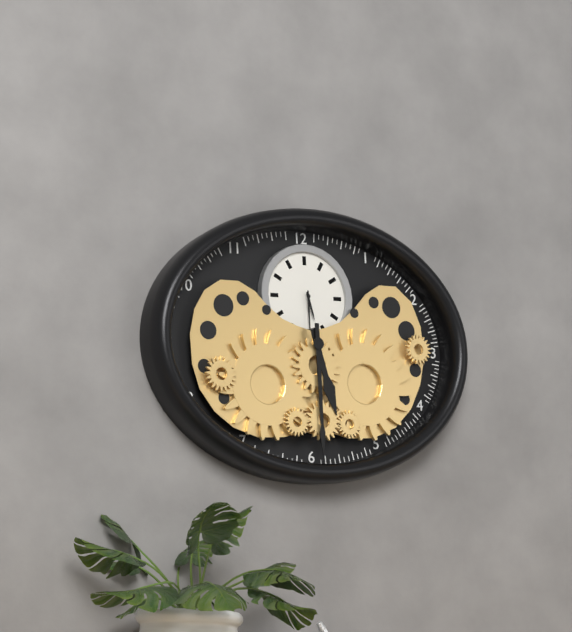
5:30
